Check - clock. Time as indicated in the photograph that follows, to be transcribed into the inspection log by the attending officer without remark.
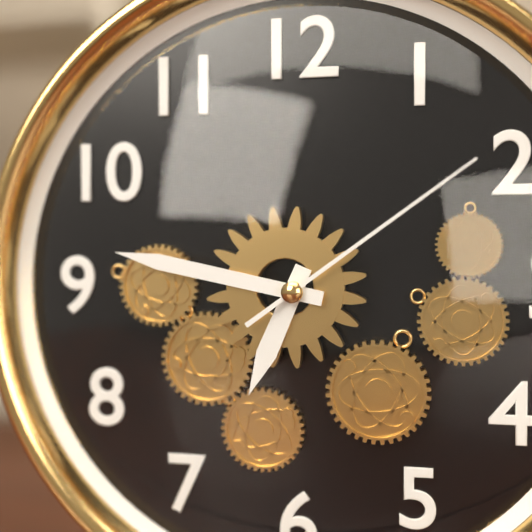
6:47:09
